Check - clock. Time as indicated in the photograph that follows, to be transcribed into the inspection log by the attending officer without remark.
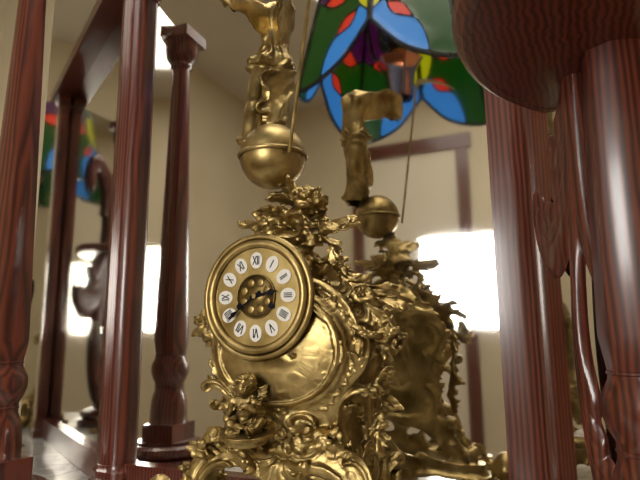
2:39
